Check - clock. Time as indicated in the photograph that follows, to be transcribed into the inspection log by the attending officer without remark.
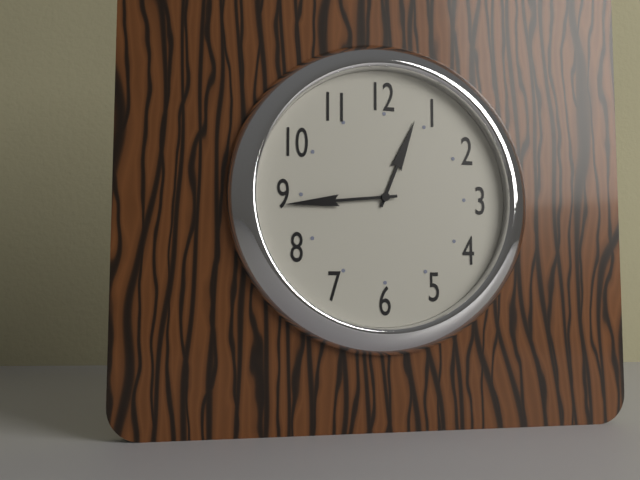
12:44
